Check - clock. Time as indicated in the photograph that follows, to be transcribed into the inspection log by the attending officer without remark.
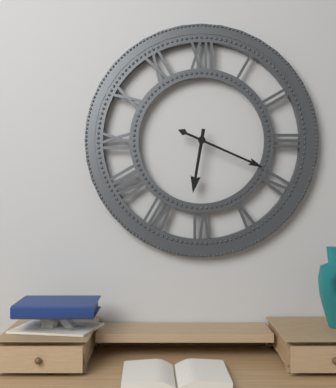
6:19
